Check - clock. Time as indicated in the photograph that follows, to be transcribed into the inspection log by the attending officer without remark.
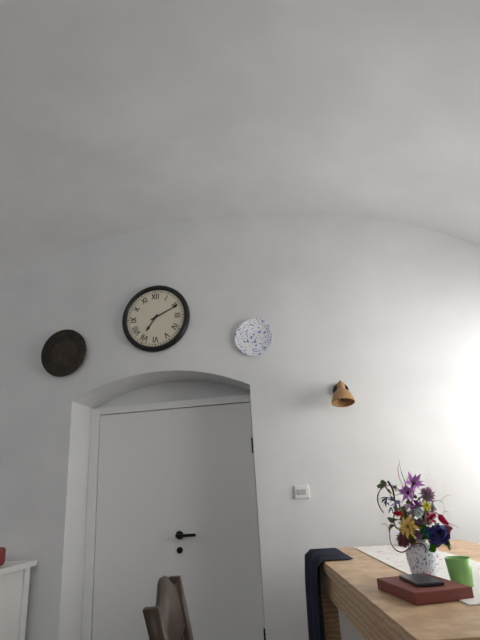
7:11
